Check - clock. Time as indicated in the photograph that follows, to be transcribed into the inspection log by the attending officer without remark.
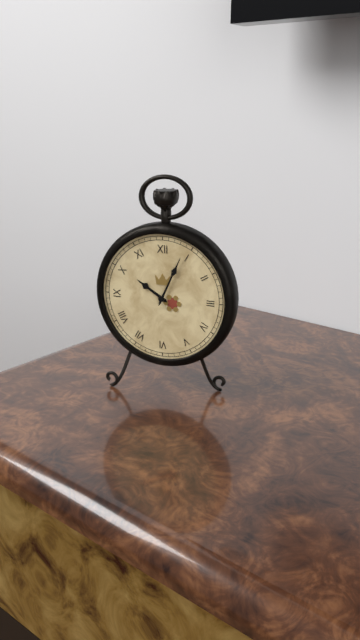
10:04
